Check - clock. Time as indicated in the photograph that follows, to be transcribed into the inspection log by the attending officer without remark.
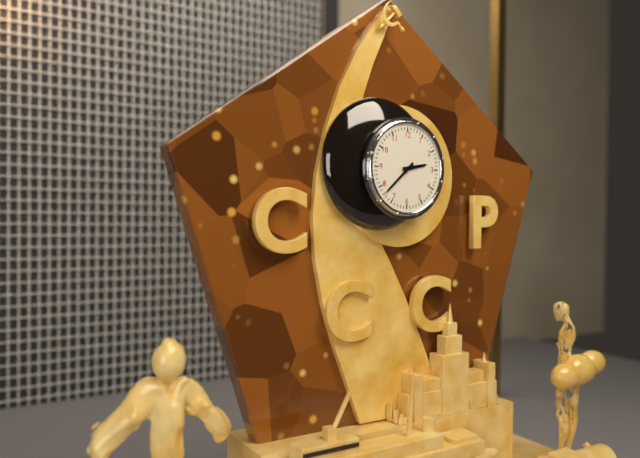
2:38
